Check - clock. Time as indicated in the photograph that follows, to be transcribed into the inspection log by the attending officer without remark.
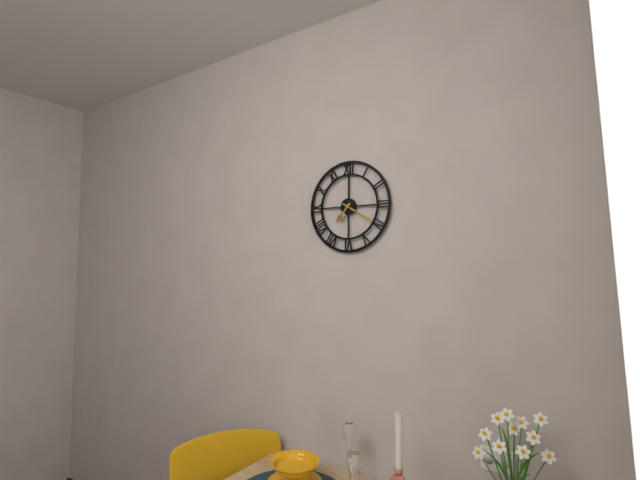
7:20
